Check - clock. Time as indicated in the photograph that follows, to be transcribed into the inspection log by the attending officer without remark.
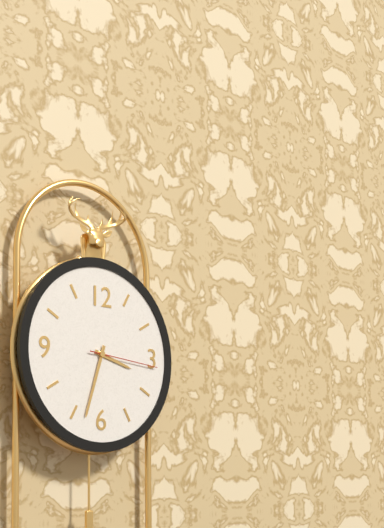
3:33:16
